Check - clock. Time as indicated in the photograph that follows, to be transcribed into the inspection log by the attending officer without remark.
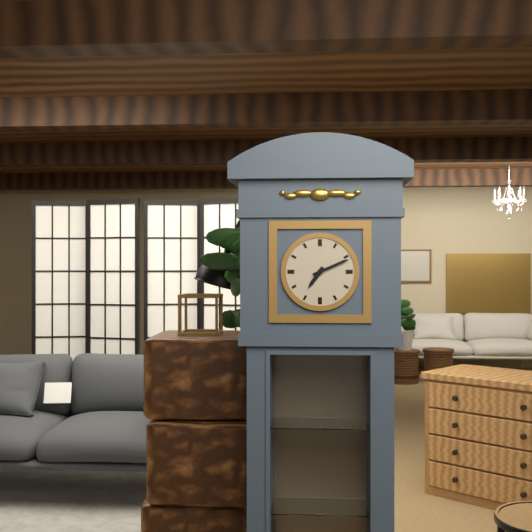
7:11
